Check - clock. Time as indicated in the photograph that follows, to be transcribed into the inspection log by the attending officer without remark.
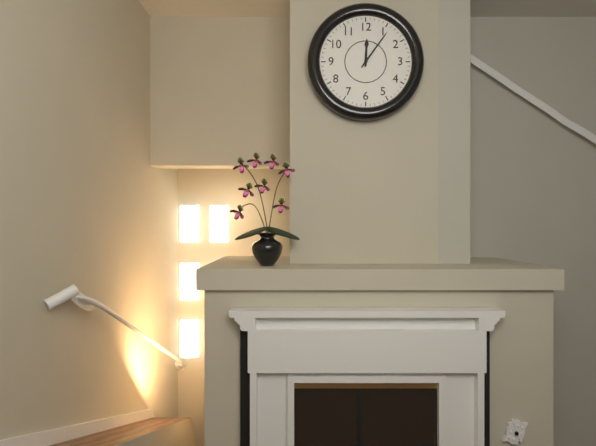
12:06
